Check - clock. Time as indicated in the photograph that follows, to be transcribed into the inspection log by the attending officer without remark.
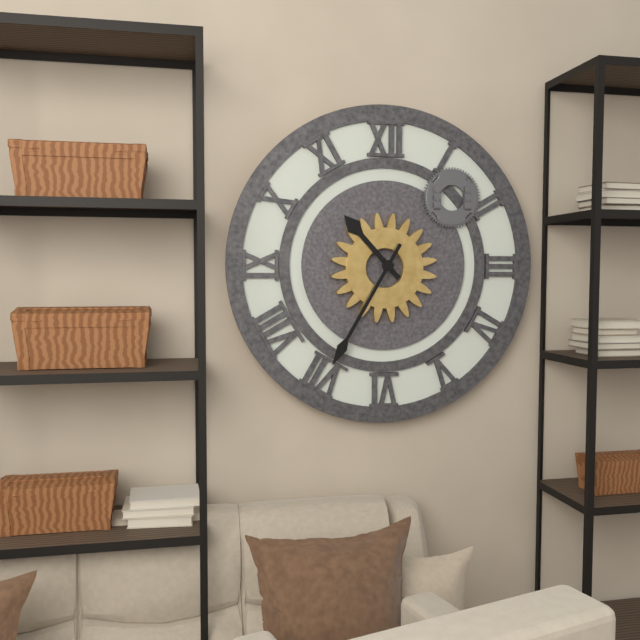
10:35
